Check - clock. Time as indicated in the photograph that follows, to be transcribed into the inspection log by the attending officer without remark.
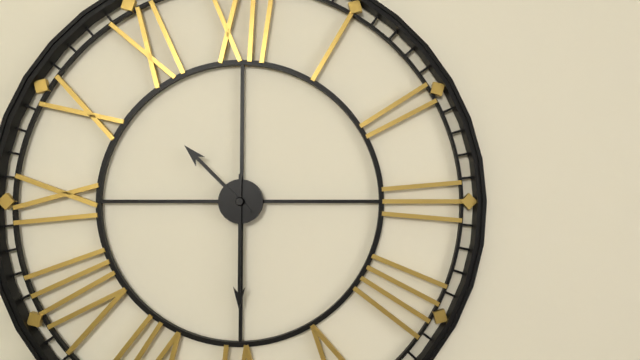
10:30
